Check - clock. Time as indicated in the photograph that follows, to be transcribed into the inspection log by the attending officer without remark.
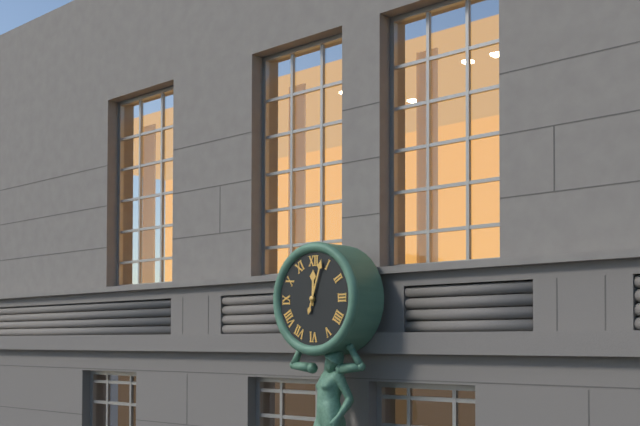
12:03
